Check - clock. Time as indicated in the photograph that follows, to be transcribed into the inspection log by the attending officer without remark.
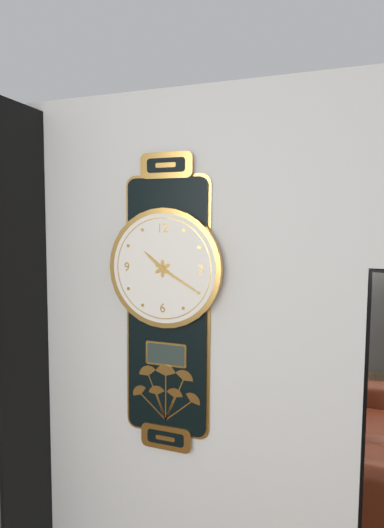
10:20
